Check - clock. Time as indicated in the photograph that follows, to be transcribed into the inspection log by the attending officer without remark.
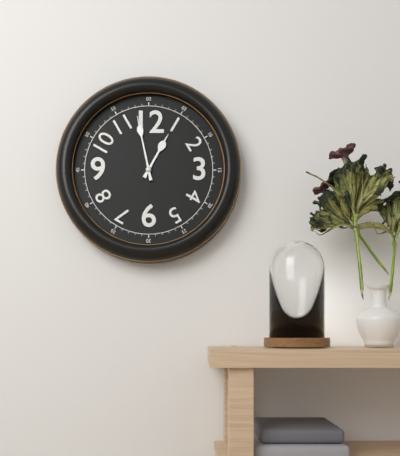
12:58
